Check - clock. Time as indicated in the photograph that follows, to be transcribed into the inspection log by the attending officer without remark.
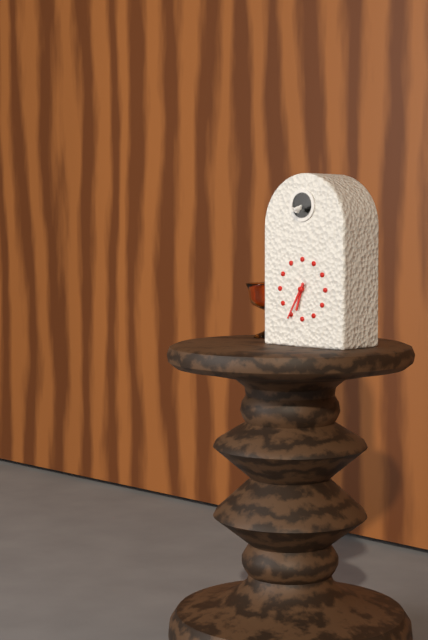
6:35
